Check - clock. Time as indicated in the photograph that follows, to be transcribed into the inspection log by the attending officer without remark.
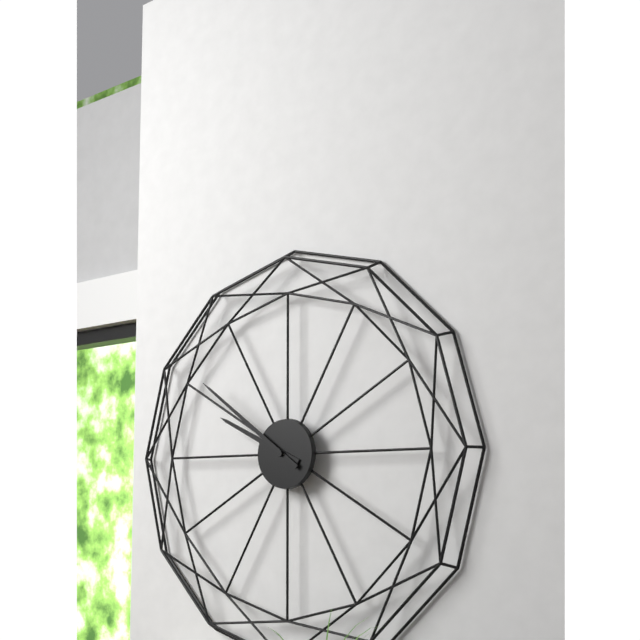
9:51
